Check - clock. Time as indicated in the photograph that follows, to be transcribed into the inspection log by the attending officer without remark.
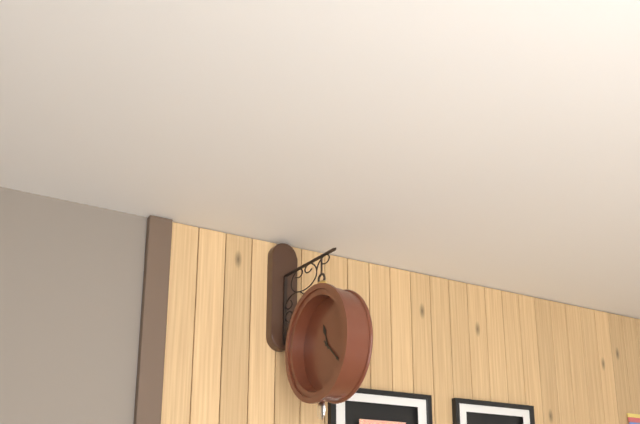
11:22
